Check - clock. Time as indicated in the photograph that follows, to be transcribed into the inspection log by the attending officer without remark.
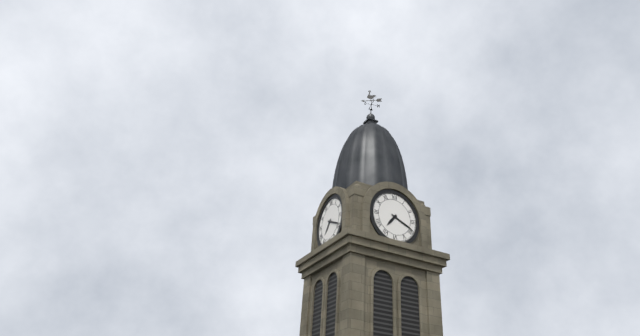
7:19
